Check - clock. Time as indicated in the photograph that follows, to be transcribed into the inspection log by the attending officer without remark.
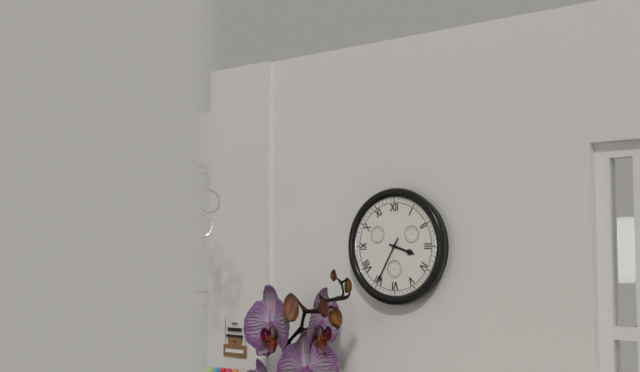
3:35
